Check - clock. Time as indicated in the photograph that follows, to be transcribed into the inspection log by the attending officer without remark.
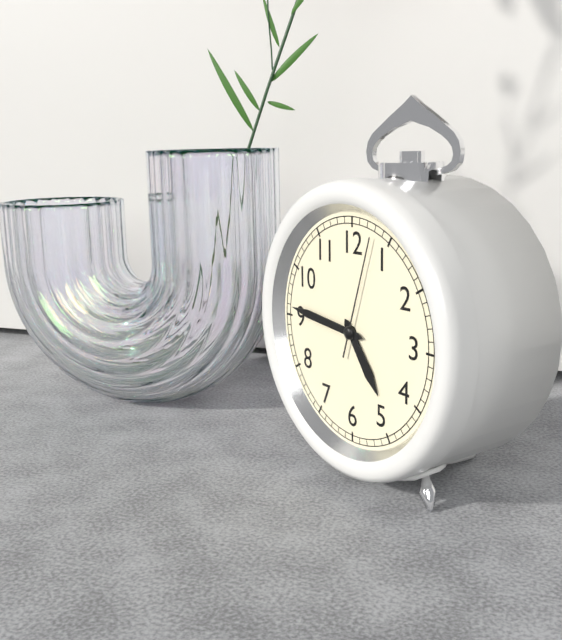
4:46:03
